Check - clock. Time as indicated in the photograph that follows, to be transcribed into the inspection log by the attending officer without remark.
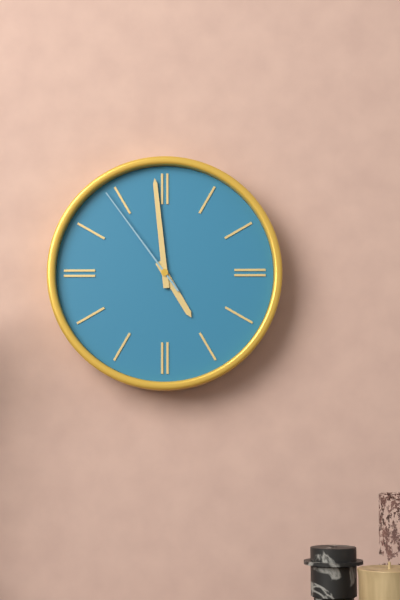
4:59:54
